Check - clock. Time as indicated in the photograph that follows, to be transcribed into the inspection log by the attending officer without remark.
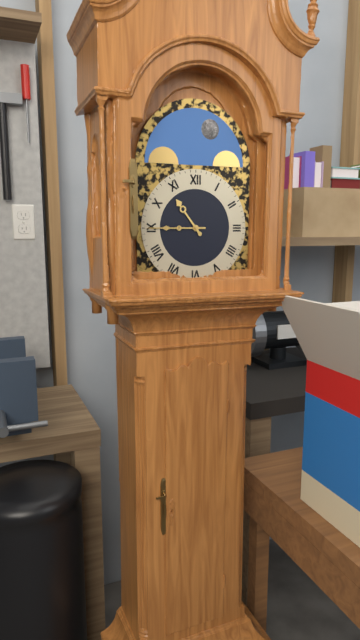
10:45
